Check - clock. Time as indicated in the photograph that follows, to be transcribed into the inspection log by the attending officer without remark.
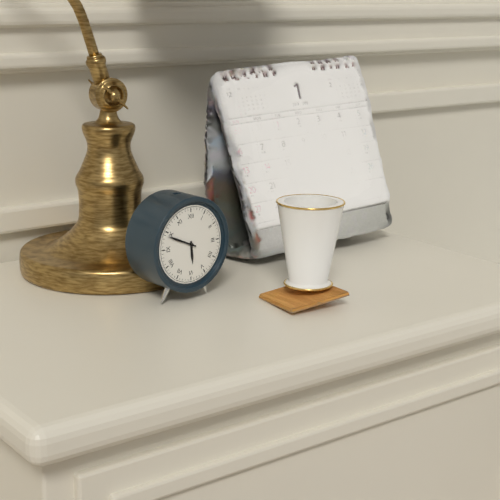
5:49
